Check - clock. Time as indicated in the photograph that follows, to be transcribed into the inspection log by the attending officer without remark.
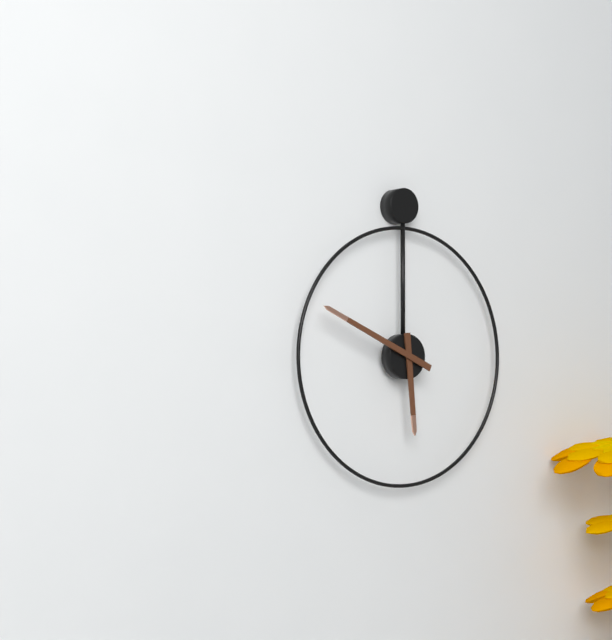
5:49
